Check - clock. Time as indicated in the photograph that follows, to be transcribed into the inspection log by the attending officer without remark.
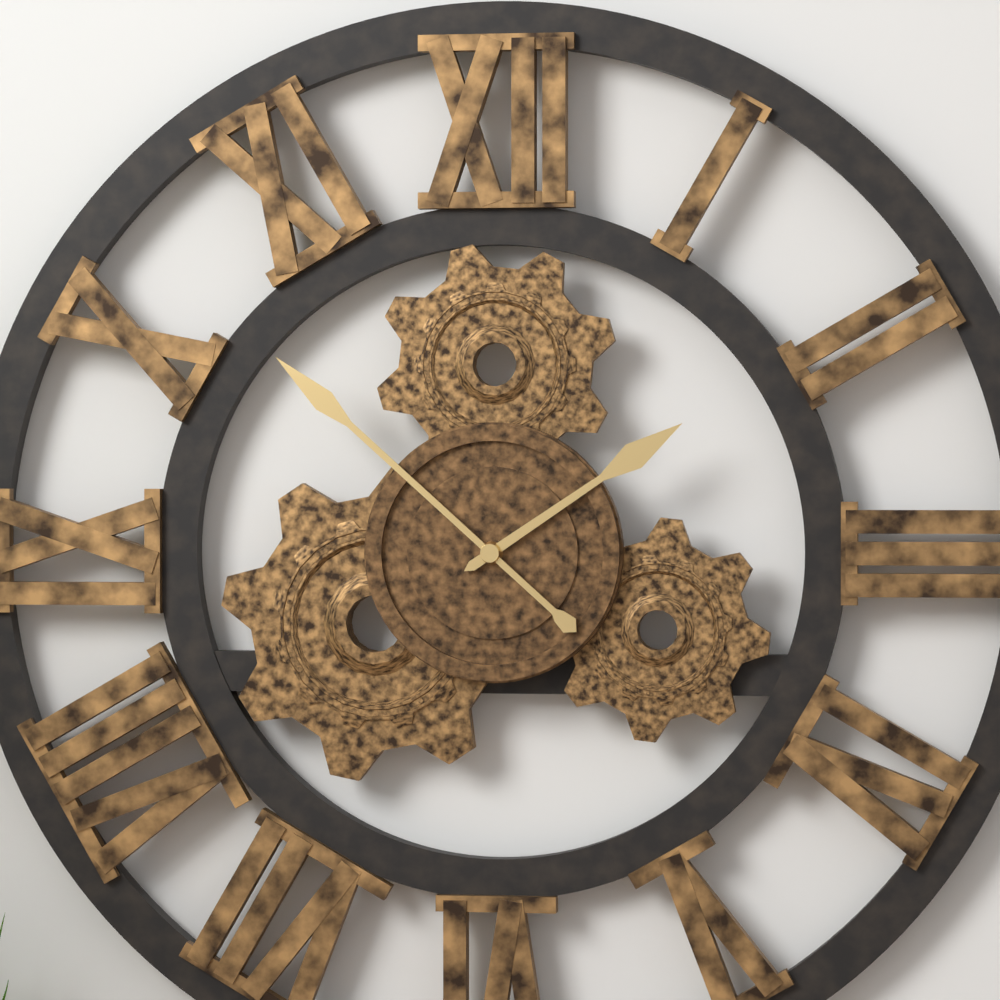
1:52
